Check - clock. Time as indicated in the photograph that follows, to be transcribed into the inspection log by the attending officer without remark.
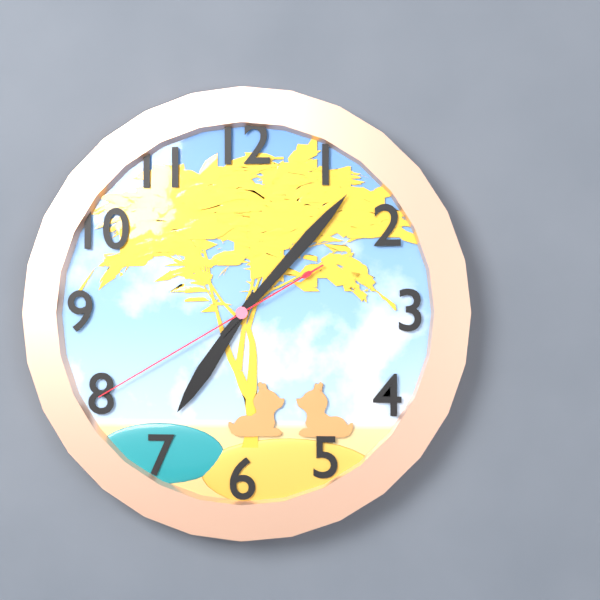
7:07:40
